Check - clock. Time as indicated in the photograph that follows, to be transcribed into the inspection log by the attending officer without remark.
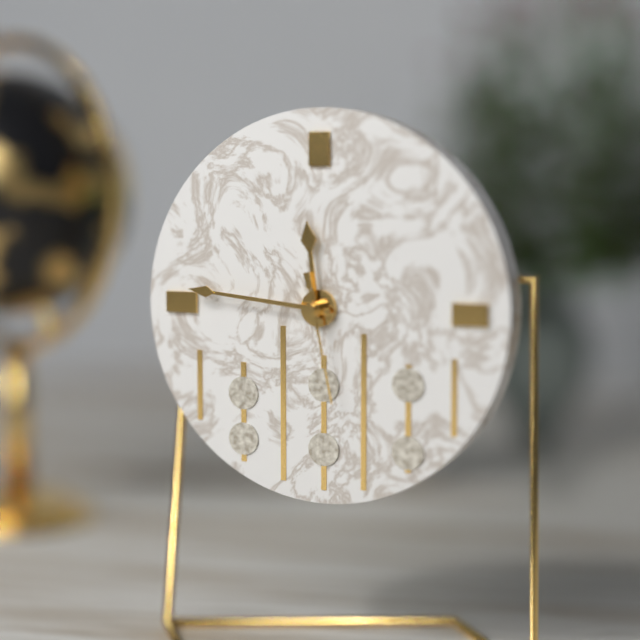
11:46:28
